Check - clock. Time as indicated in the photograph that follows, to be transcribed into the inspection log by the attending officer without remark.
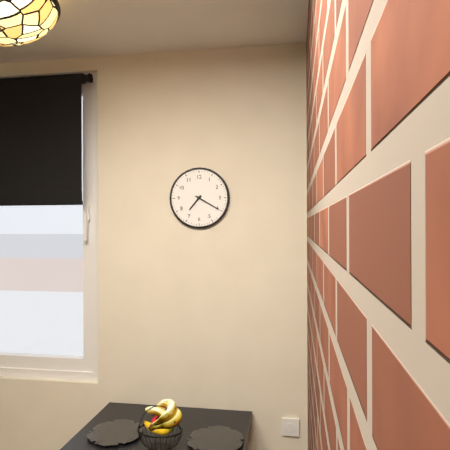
7:20
